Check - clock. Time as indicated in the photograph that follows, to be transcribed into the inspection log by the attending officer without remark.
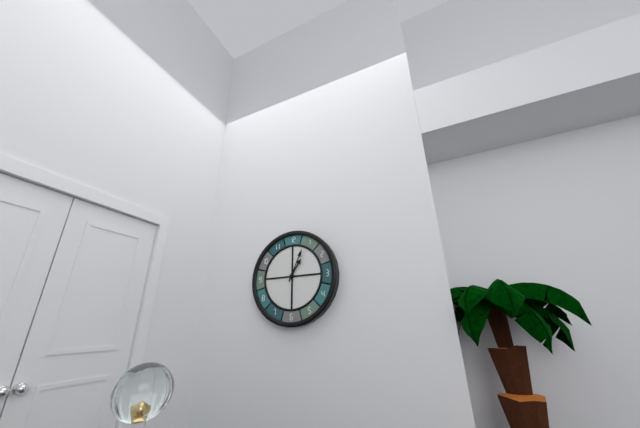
1:04
